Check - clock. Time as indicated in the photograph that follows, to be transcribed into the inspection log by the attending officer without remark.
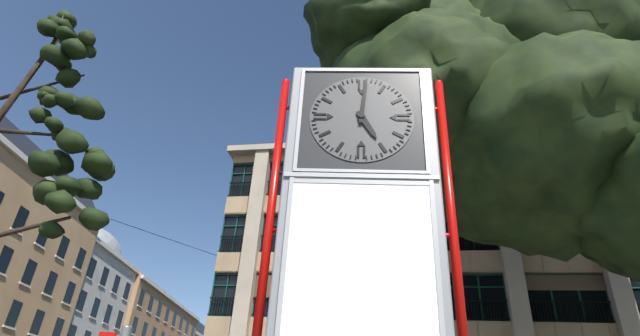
5:01
